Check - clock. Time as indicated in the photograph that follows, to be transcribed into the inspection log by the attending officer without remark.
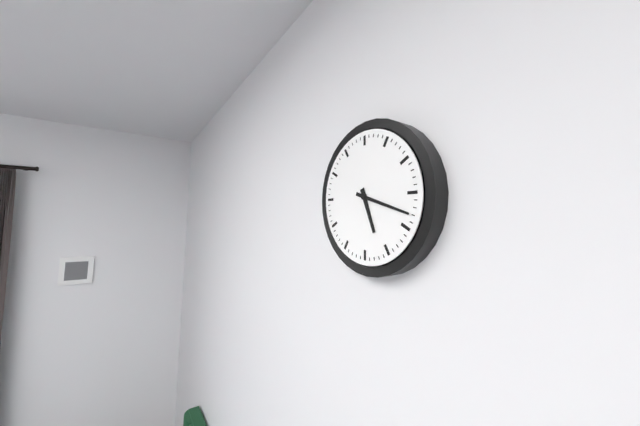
5:18
